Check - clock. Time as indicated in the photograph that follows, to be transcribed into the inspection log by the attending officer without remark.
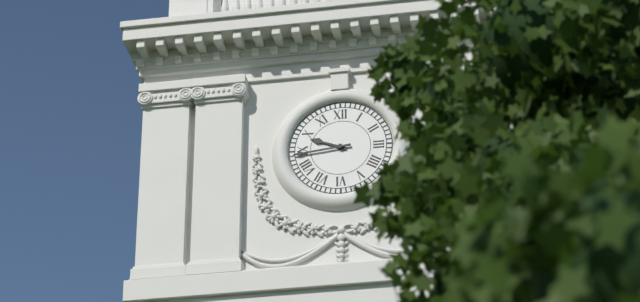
9:44
